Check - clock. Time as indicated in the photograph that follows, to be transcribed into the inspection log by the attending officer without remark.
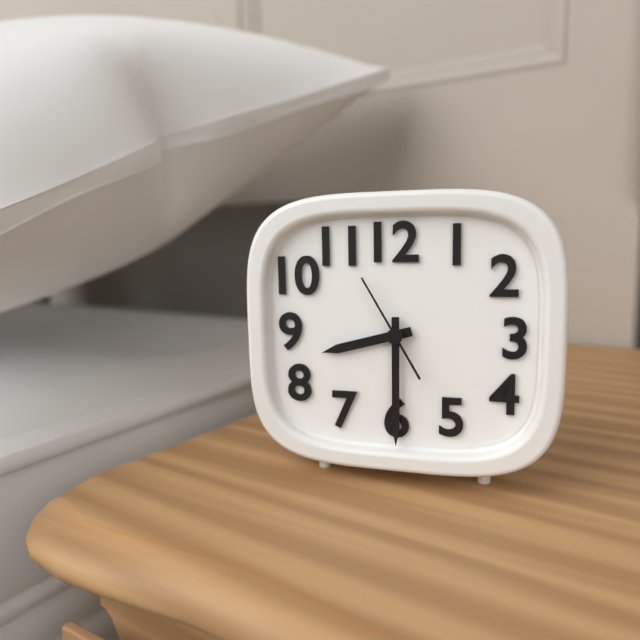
8:30:55
